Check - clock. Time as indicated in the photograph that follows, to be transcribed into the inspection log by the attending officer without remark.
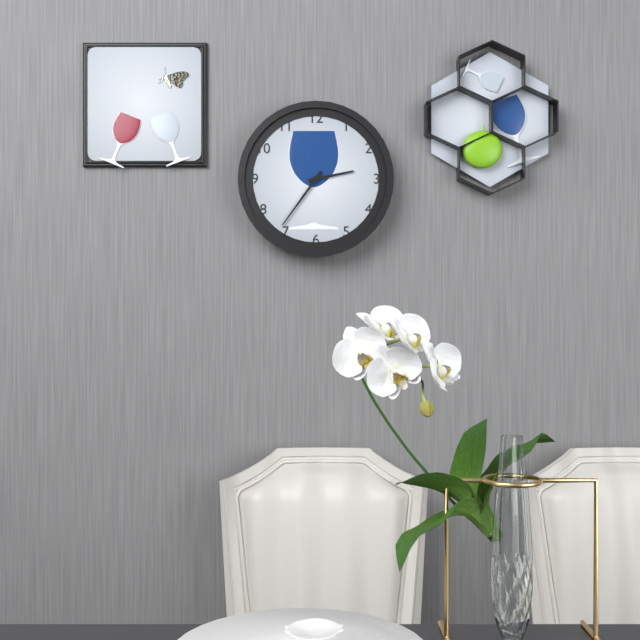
2:36
